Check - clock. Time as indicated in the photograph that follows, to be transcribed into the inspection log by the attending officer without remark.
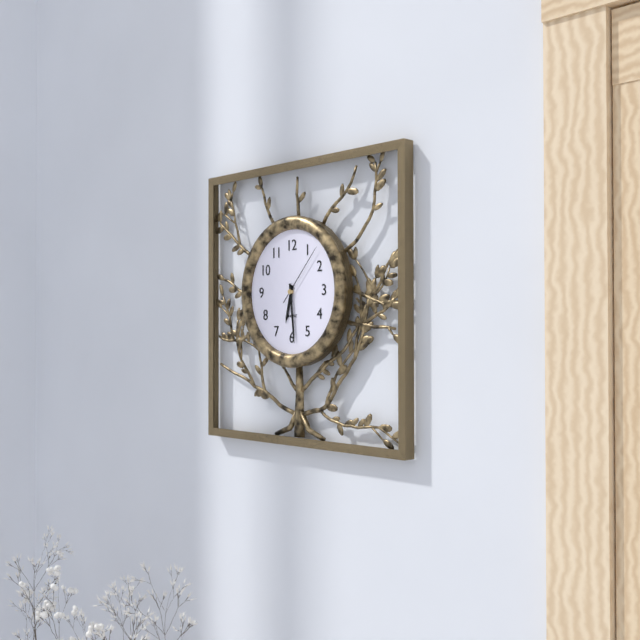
6:29:07
